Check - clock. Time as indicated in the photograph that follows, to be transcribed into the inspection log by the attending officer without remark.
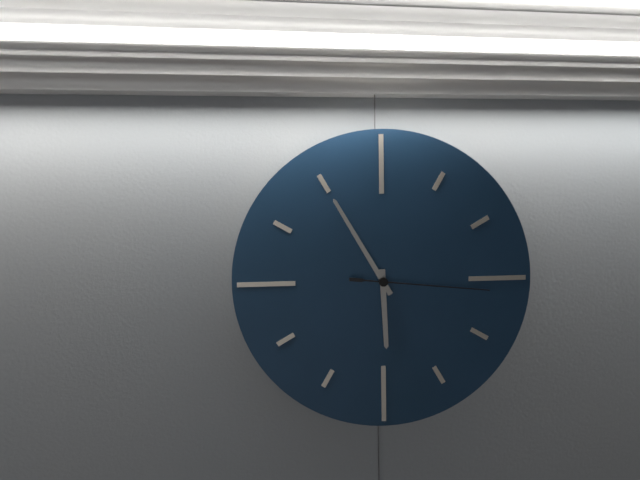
5:55:16
